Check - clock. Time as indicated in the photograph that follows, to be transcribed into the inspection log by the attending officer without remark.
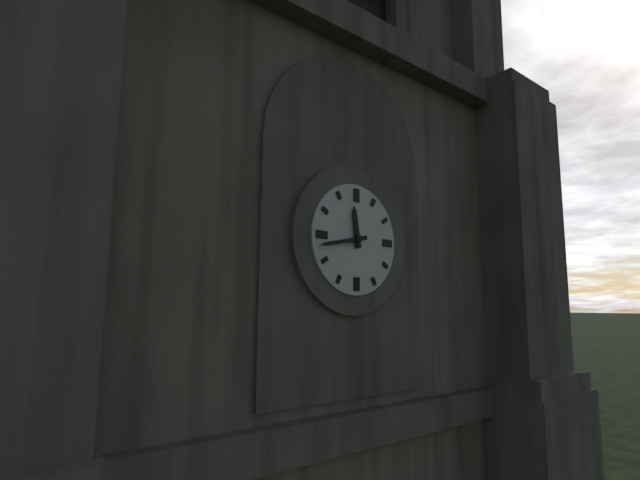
11:43
